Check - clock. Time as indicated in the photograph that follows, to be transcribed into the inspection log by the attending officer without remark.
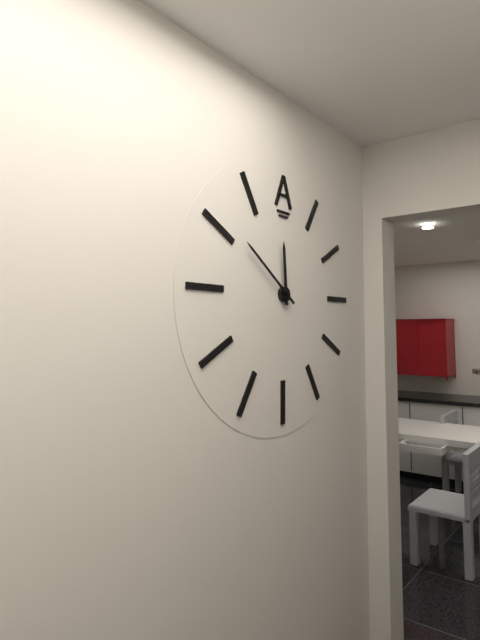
11:51
